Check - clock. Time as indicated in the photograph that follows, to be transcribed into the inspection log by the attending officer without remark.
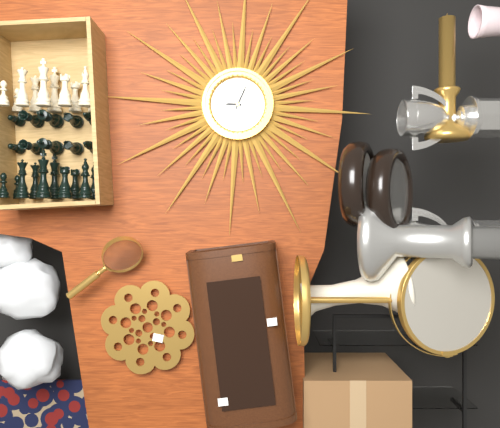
9:04
